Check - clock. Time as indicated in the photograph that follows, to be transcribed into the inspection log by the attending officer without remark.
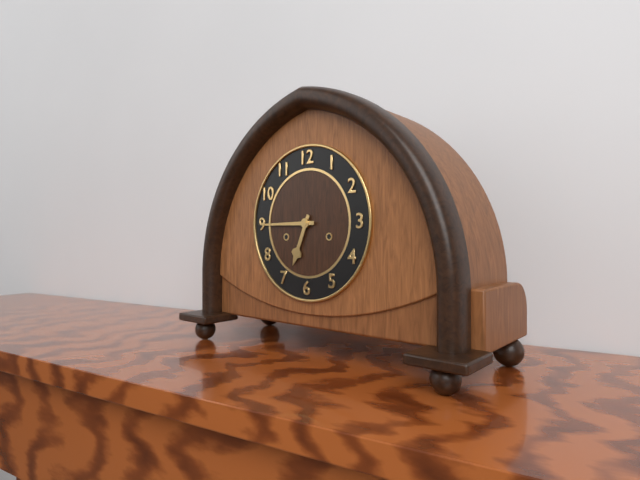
6:45
